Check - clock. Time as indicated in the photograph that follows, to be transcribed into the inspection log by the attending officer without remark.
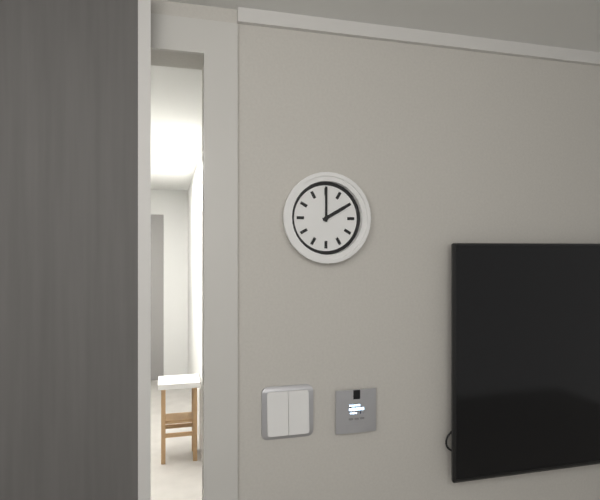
2:00
